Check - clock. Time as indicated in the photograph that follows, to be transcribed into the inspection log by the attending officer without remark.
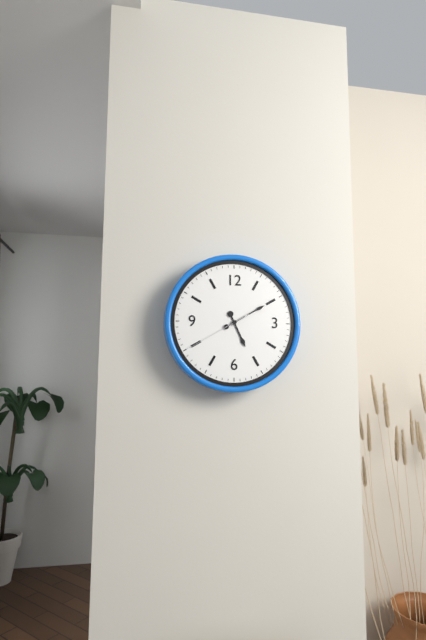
5:10:40
